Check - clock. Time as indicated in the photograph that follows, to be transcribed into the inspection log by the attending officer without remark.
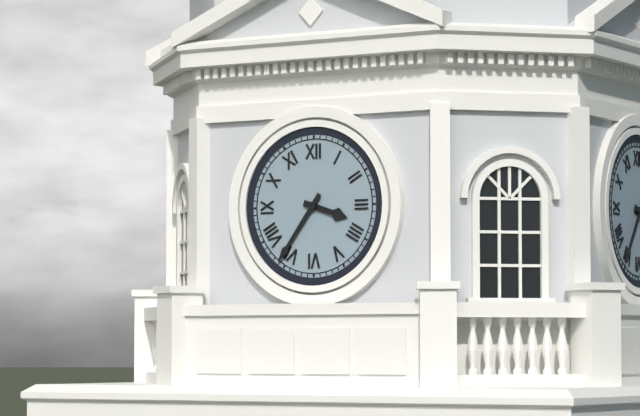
3:36
